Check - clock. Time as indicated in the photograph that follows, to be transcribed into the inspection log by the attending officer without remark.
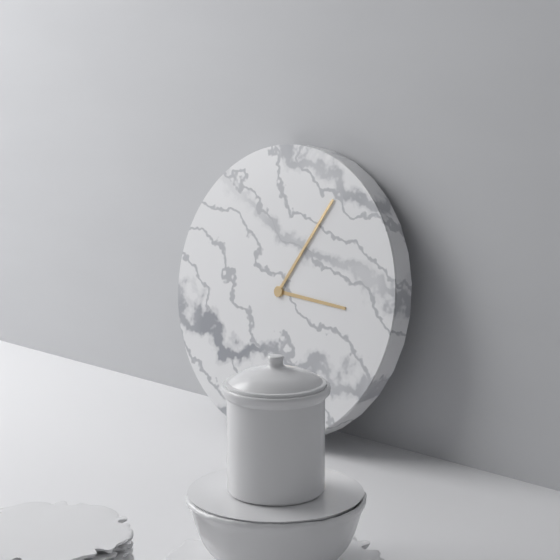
3:05
